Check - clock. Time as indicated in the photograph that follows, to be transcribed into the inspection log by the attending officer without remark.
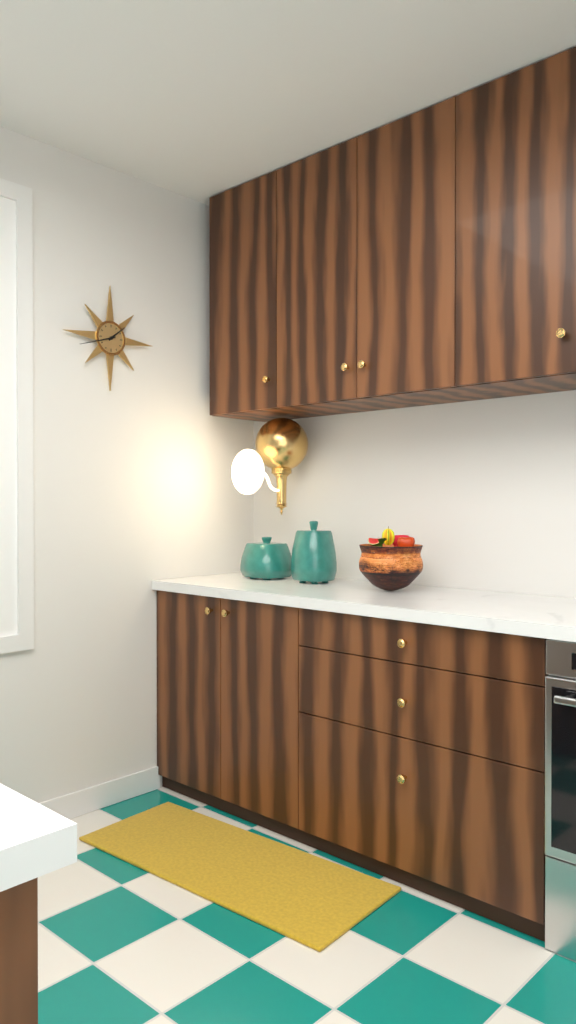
1:42
